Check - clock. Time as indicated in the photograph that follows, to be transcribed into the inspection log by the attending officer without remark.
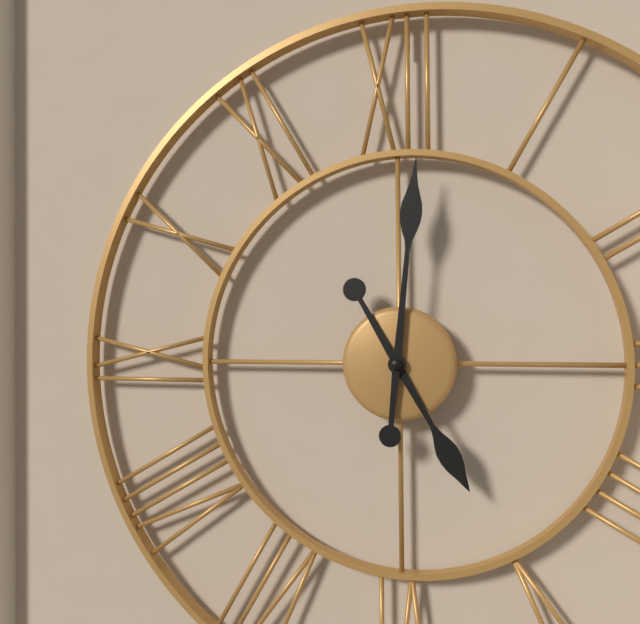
5:01
